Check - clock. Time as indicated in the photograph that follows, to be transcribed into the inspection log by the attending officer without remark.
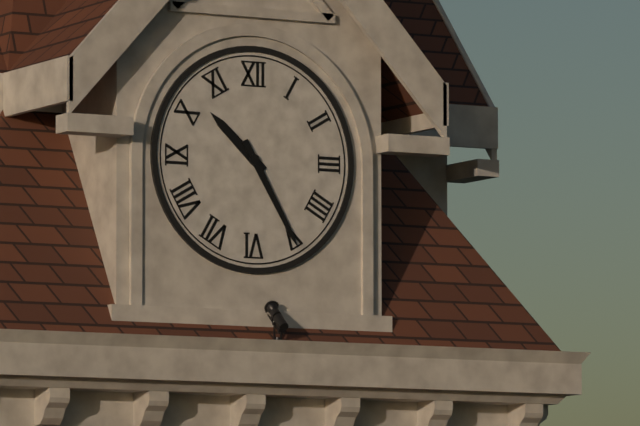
10:25
